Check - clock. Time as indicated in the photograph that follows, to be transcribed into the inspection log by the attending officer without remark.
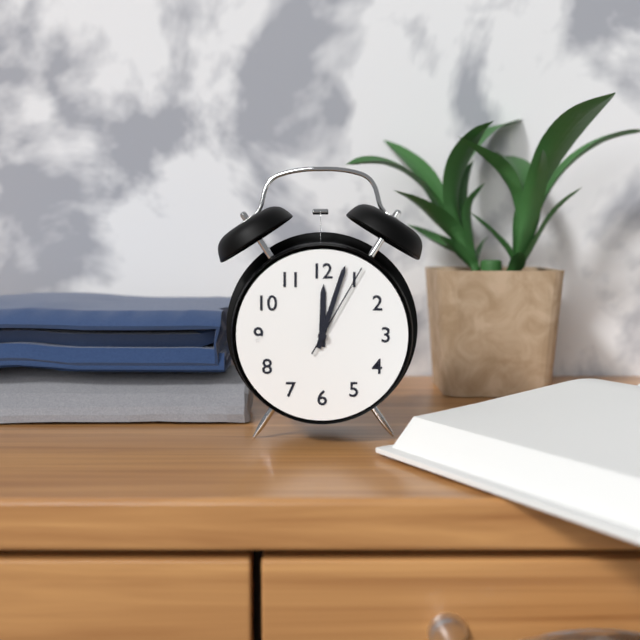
12:03:05
